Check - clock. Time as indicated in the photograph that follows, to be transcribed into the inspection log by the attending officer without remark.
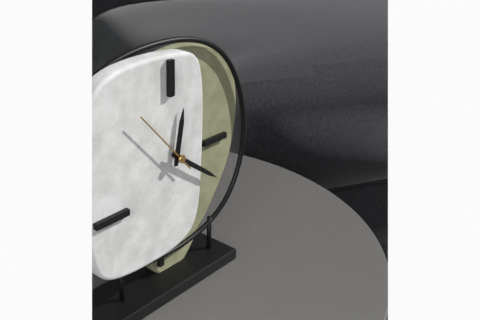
12:21:53
